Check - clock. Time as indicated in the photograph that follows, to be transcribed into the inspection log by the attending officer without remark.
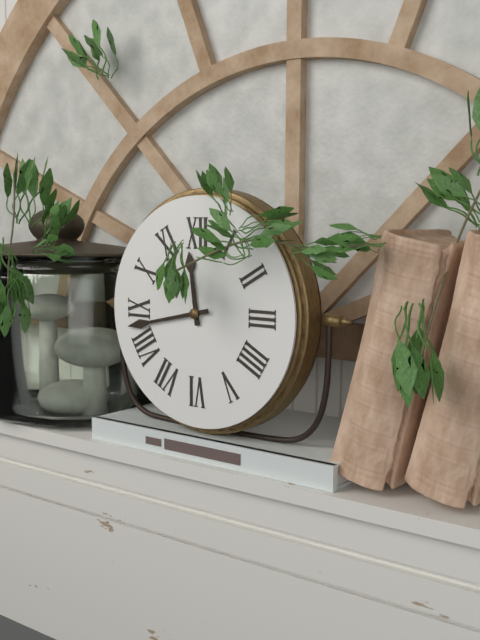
11:43
